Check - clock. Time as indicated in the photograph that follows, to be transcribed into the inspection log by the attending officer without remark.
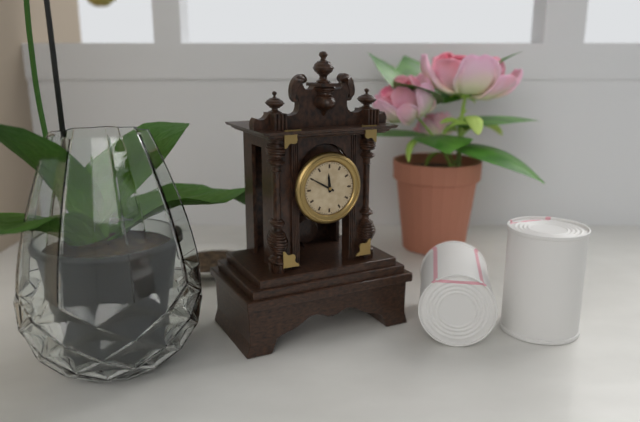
11:50
